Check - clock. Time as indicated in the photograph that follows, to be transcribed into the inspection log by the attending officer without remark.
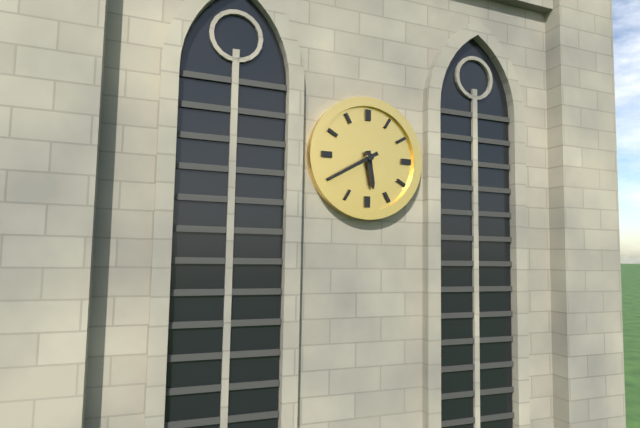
5:40
